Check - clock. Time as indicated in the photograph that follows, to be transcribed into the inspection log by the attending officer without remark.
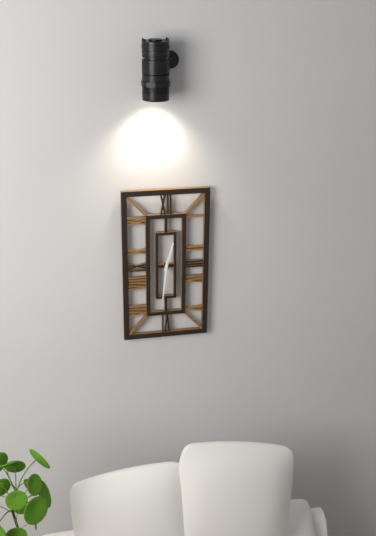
12:31
